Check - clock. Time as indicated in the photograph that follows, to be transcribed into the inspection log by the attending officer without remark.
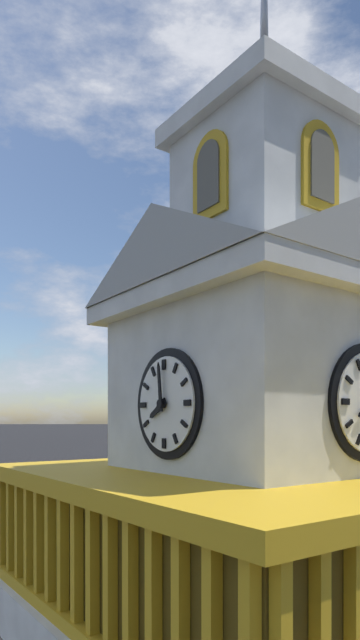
7:59
